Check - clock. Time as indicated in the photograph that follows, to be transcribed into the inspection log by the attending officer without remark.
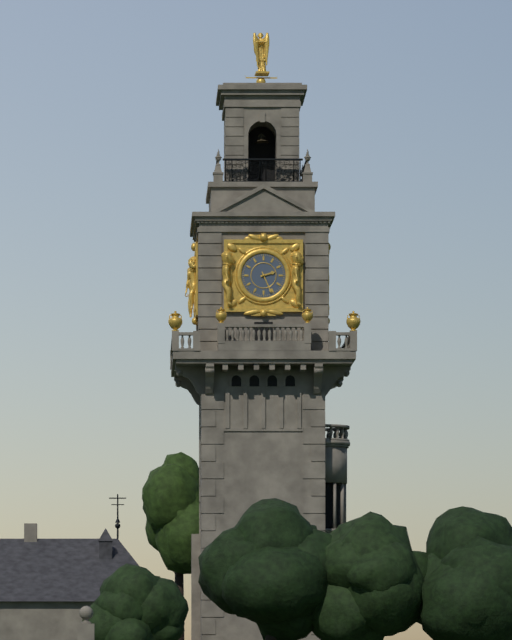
2:26
